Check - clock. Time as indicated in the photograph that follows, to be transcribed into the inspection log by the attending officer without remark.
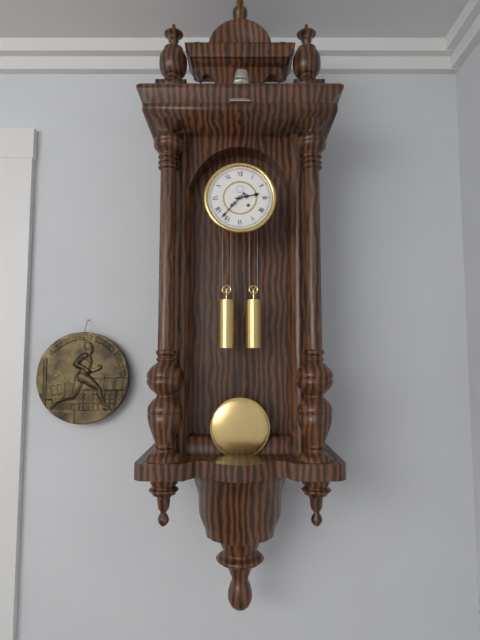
2:37
